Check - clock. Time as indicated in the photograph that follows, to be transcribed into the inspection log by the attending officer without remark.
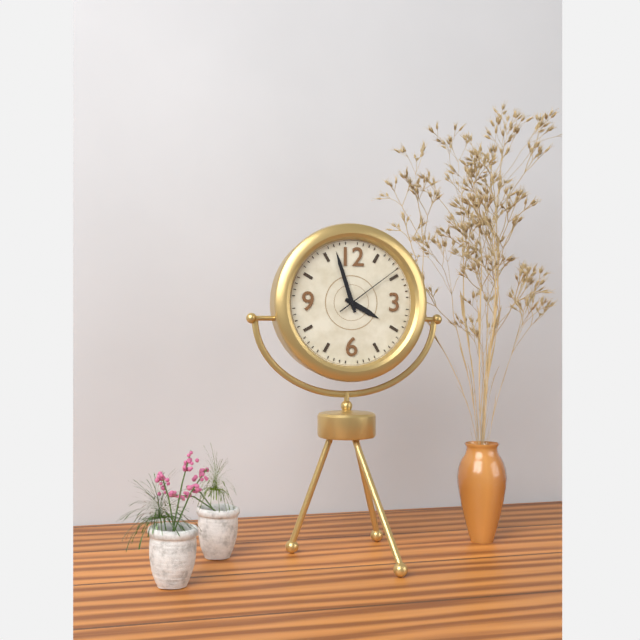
3:57:09
